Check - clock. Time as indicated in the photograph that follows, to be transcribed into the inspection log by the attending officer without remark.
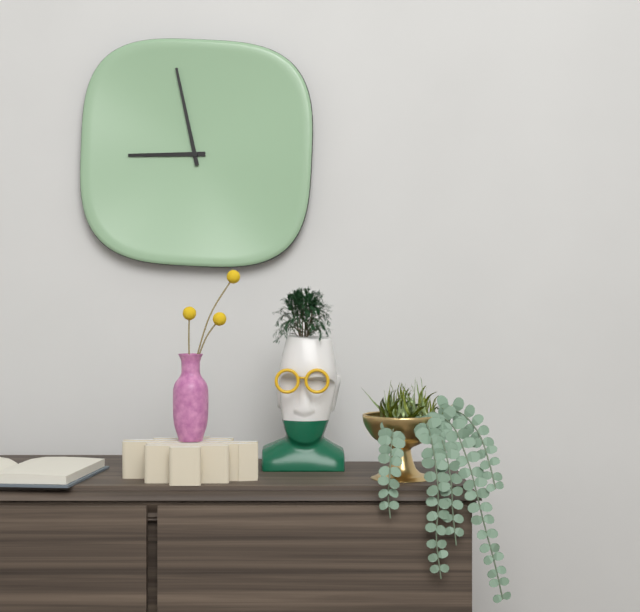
8:58
